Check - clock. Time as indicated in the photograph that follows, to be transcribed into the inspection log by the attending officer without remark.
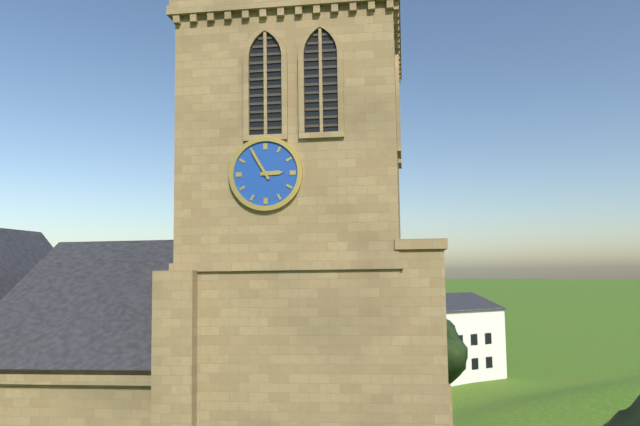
2:55
